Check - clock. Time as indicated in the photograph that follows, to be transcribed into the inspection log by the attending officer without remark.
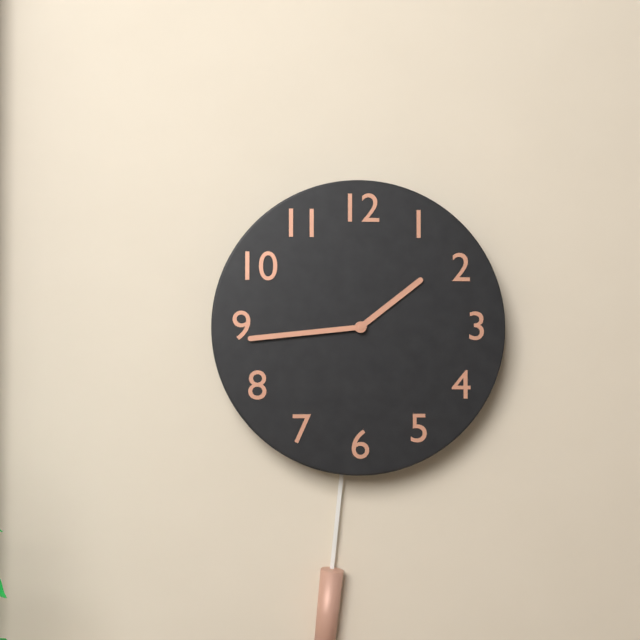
1:44
